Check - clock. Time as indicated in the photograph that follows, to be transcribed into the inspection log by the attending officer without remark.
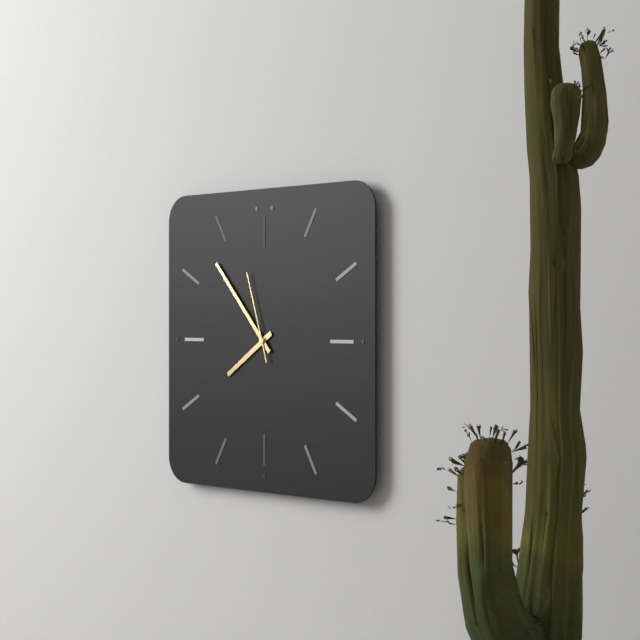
7:53:57
